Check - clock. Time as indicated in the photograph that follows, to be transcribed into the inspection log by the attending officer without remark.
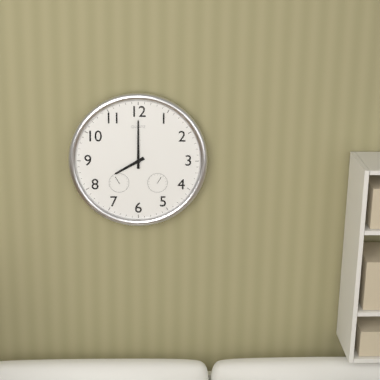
8:00
